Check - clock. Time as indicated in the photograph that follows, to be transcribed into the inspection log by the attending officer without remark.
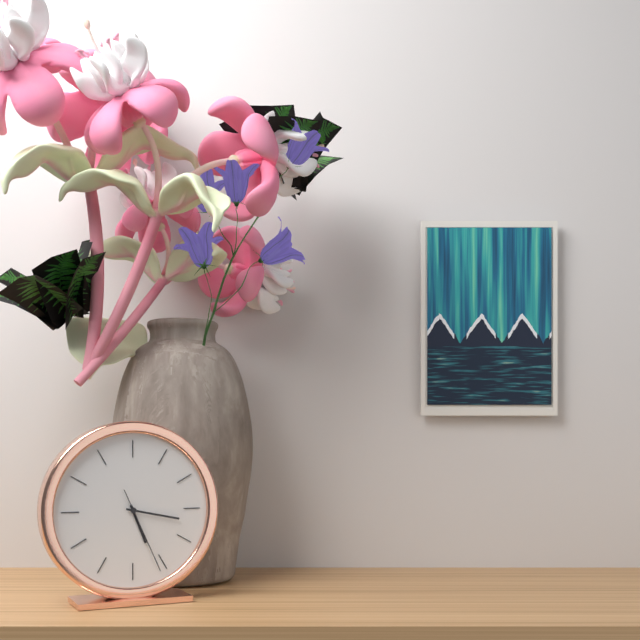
5:17:26
